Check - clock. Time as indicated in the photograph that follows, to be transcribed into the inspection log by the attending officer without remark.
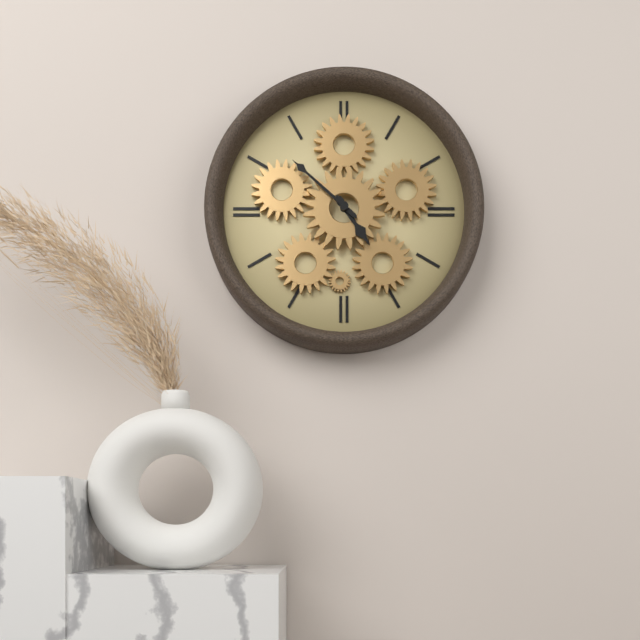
4:52
